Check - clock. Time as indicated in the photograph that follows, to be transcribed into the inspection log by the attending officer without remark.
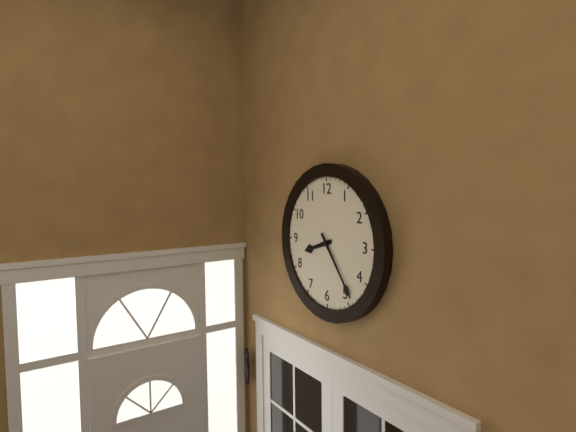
8:24
